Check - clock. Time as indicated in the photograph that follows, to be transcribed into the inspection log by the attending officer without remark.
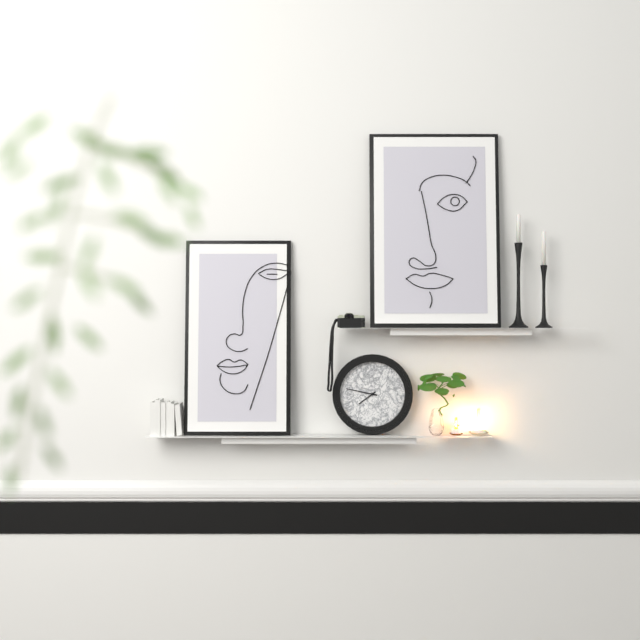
7:47
